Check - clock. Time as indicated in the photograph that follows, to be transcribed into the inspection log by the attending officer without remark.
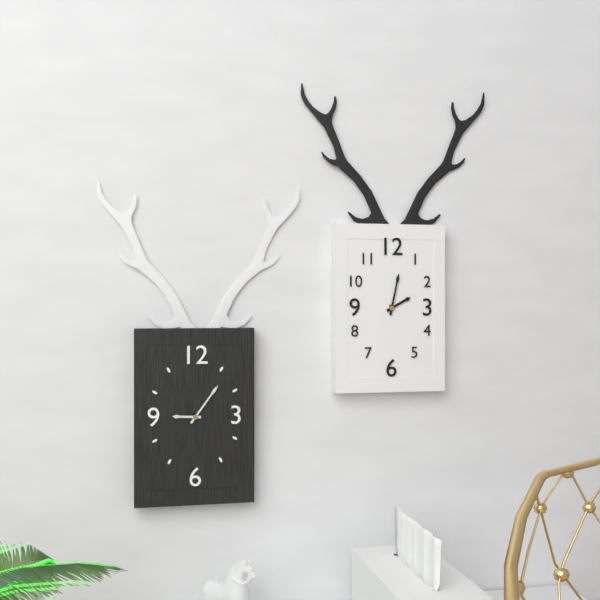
9:06
